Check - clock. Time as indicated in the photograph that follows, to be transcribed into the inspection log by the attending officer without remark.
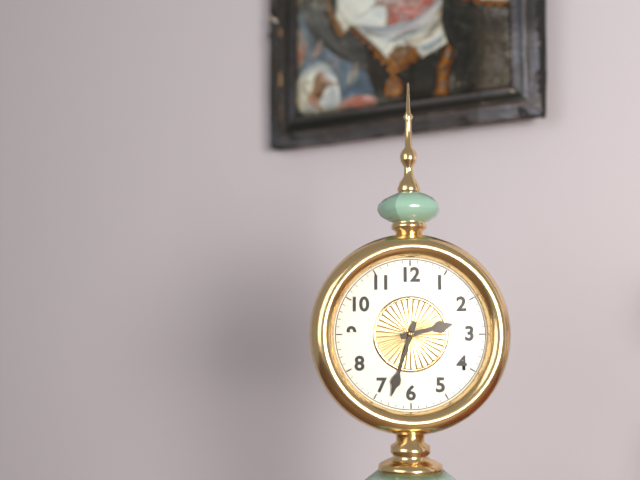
2:33
